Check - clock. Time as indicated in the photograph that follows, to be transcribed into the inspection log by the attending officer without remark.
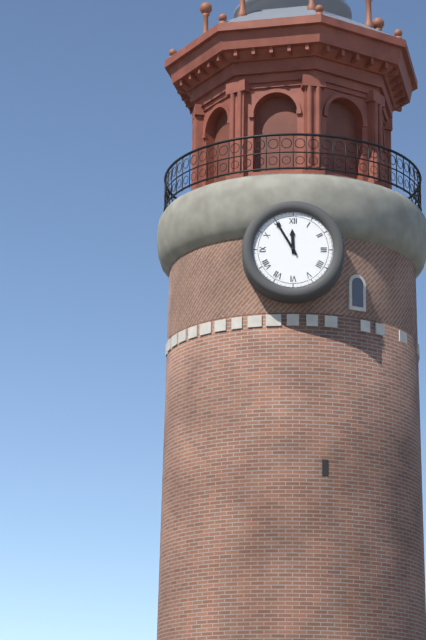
11:55
